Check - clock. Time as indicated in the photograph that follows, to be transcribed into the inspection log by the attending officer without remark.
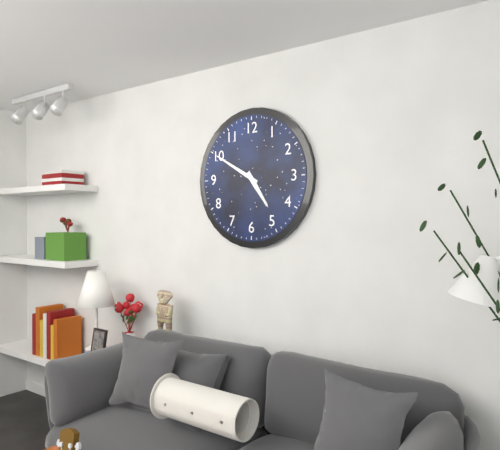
4:50
